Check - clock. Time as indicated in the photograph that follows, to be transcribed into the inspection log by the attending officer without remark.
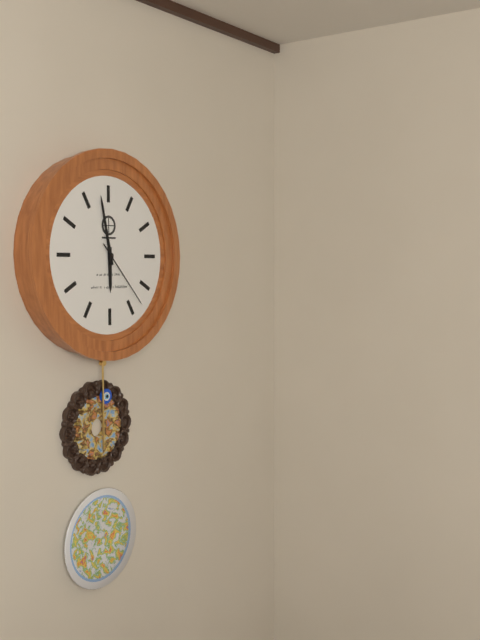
5:58:23
